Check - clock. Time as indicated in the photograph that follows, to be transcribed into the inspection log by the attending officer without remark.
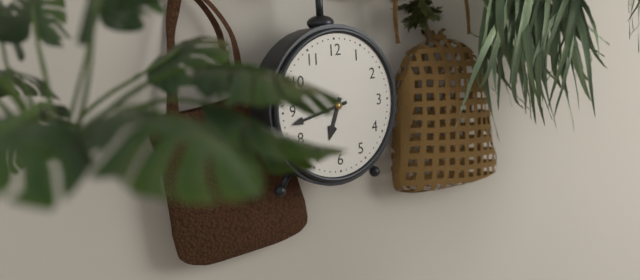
6:43
